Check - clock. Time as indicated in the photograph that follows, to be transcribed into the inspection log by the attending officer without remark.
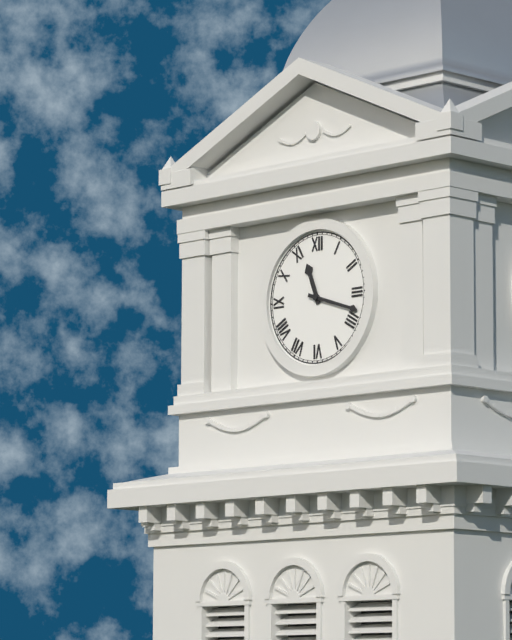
11:18
